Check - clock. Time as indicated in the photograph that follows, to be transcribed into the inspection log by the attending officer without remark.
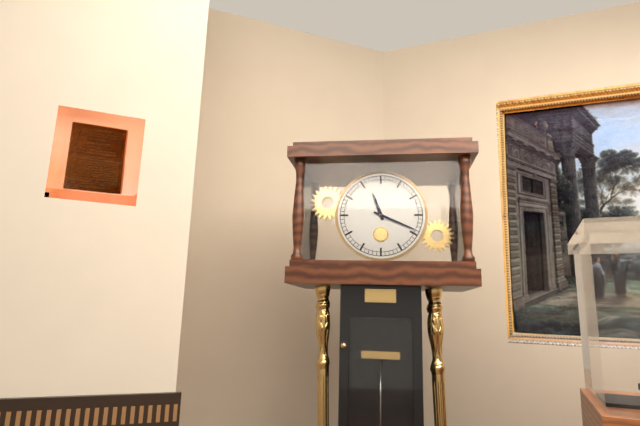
11:19
